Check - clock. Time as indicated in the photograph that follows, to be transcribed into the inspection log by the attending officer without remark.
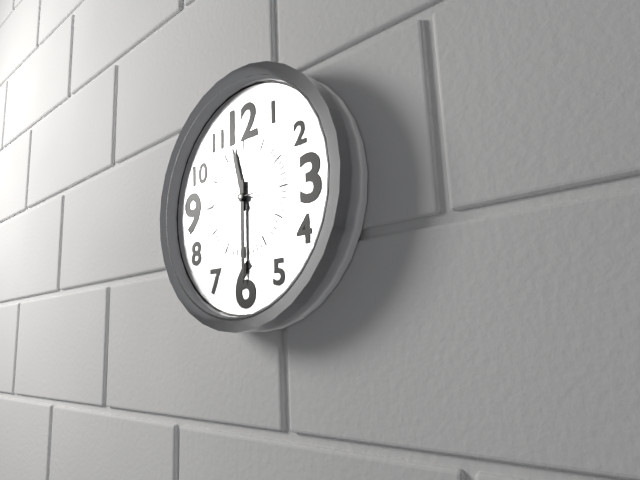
11:30:45
